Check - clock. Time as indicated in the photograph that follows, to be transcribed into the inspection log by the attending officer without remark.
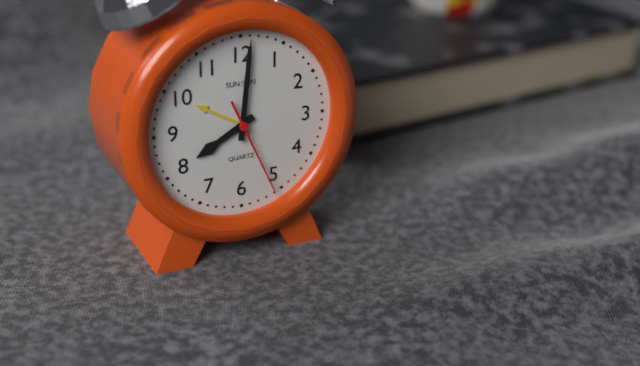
8:01:26
